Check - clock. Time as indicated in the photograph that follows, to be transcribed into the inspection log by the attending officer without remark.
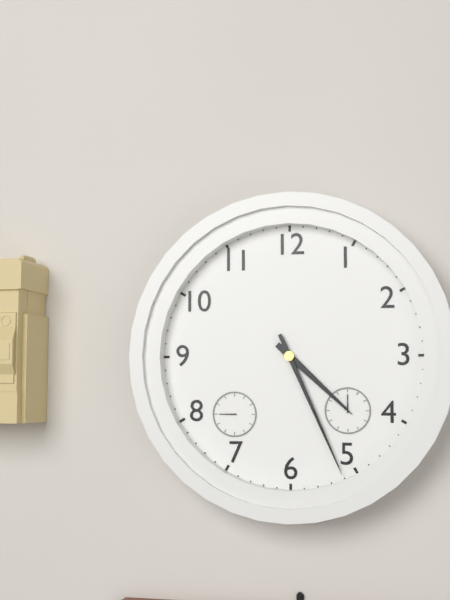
4:26
